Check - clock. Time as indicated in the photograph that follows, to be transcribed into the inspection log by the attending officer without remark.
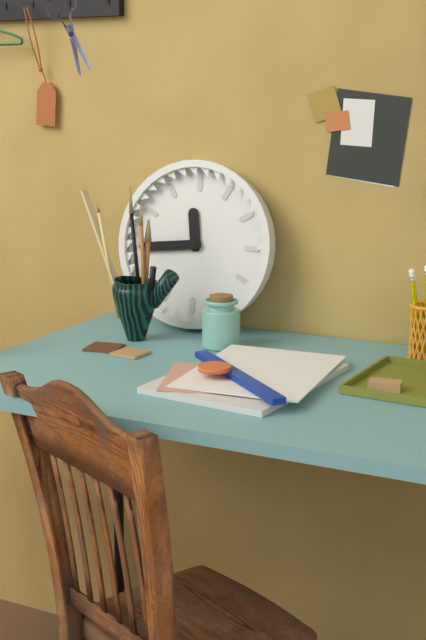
11:44
